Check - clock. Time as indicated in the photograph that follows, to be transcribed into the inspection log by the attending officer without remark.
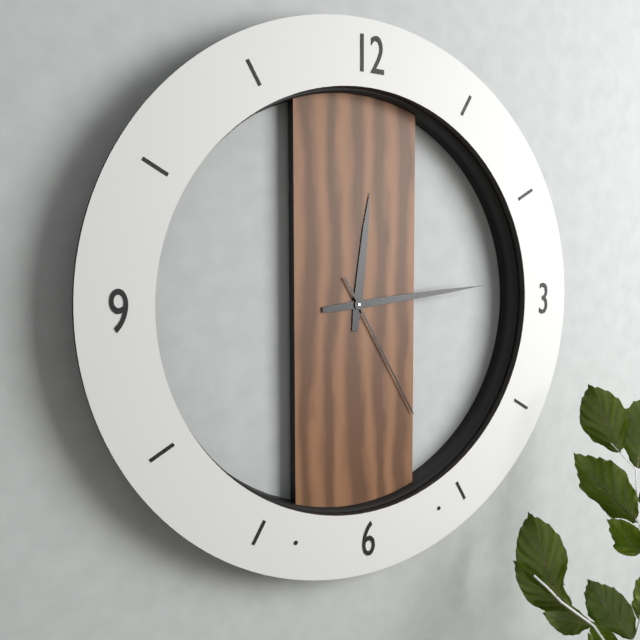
12:14:25
